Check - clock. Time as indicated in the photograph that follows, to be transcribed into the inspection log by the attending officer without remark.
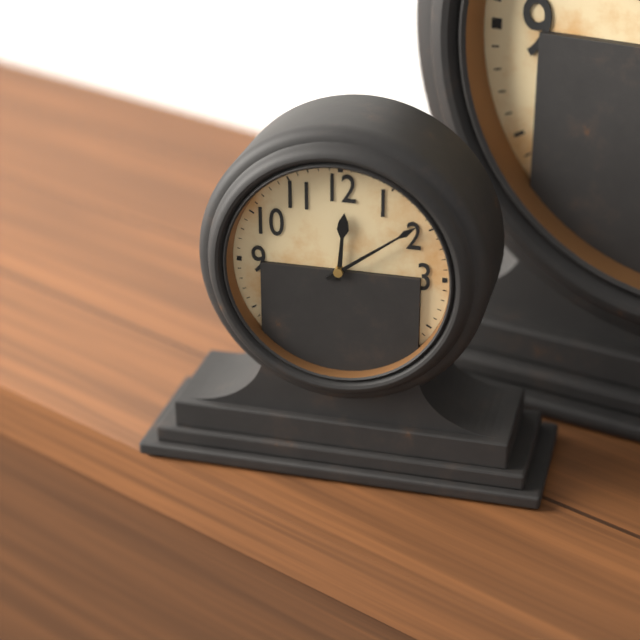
12:09
